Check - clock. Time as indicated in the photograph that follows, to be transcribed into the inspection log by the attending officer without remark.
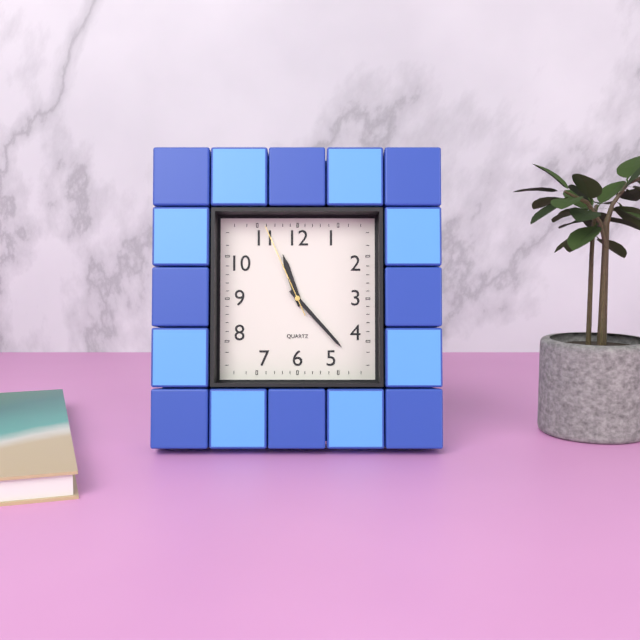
11:23:56
